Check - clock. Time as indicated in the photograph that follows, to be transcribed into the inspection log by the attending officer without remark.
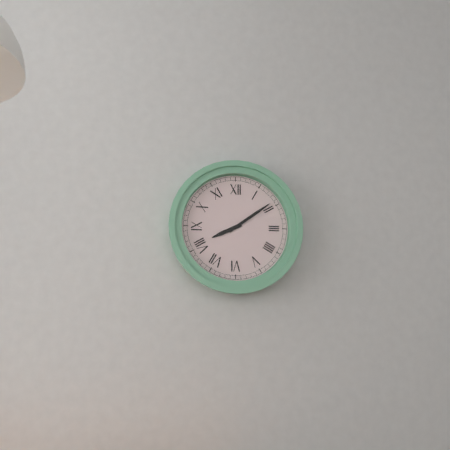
8:09
